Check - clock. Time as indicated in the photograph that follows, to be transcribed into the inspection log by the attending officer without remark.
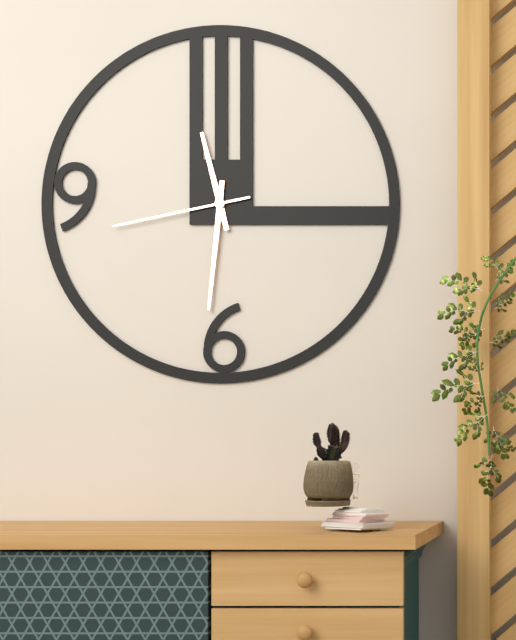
11:31:43
